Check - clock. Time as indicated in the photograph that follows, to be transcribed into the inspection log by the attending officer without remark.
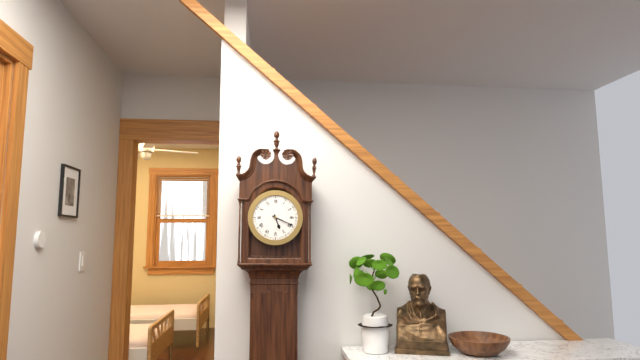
5:19
